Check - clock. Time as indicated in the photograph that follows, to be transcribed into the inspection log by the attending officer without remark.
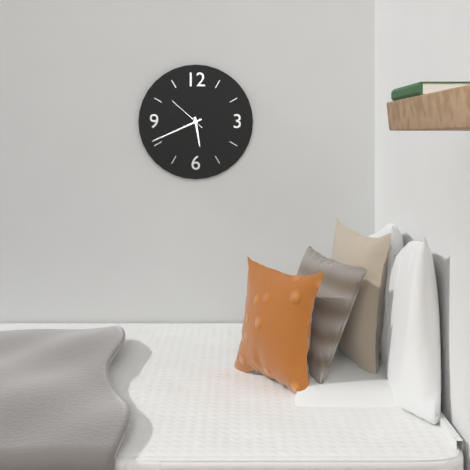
5:41
